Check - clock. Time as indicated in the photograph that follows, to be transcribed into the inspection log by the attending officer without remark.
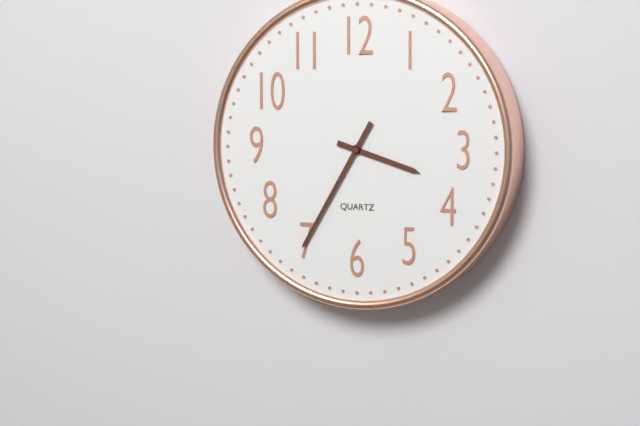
3:35
